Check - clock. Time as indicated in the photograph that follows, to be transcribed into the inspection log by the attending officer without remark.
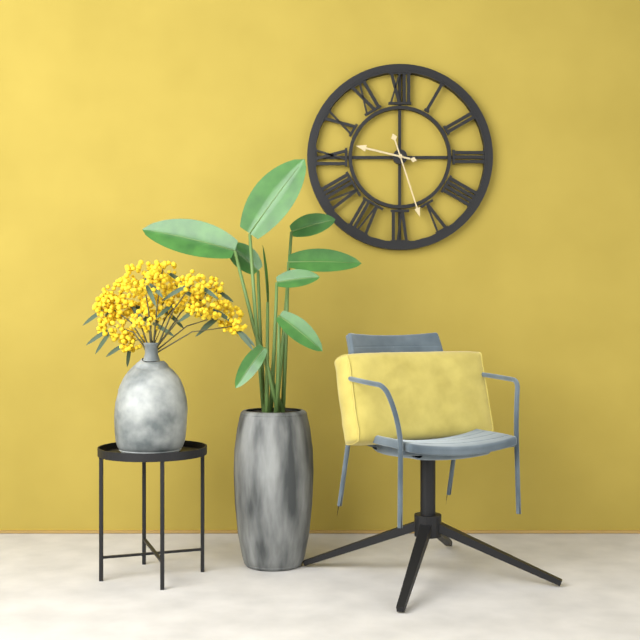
9:27
